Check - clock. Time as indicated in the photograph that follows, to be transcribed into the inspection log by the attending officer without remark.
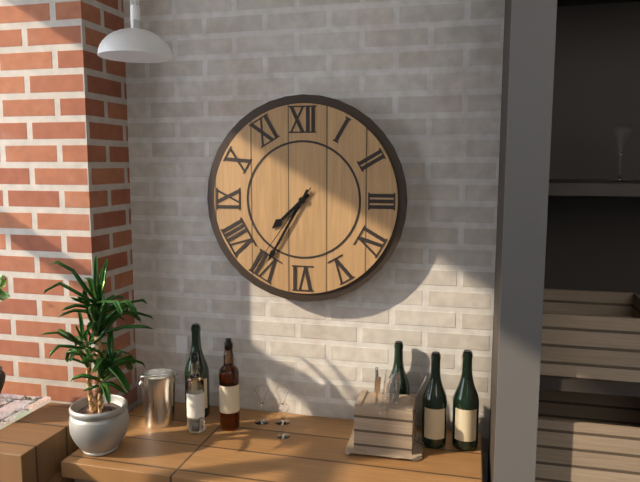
7:35:36
